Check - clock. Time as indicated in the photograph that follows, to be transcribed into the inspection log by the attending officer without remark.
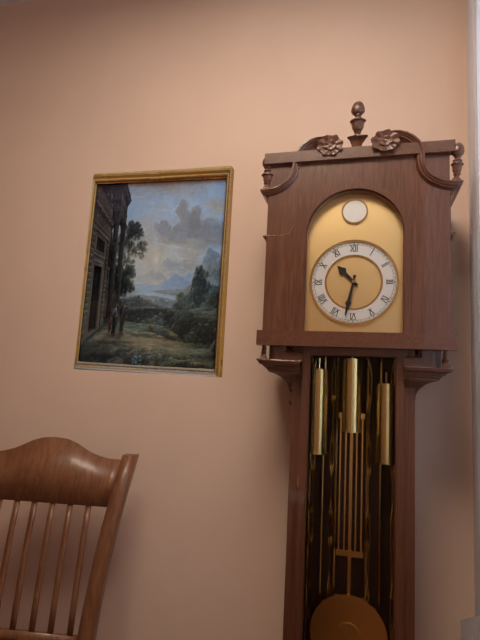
10:32
